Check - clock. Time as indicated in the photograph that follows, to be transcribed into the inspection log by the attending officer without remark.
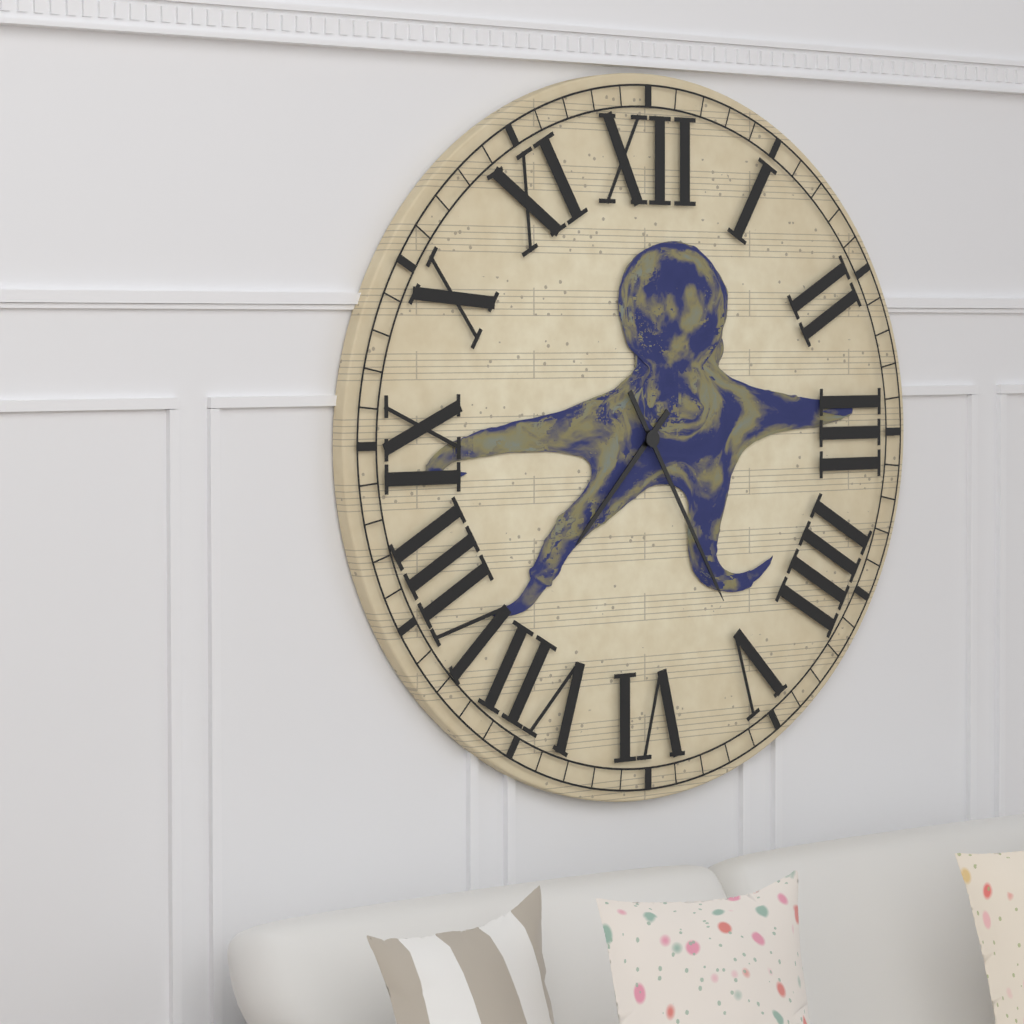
7:25
